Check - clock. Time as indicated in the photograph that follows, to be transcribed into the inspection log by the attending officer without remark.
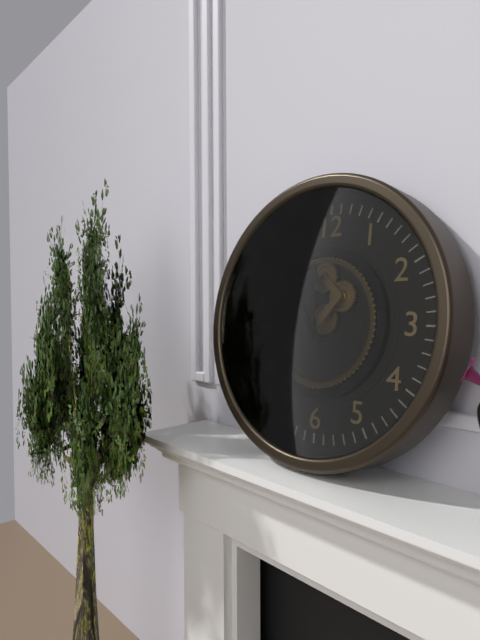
11:54
